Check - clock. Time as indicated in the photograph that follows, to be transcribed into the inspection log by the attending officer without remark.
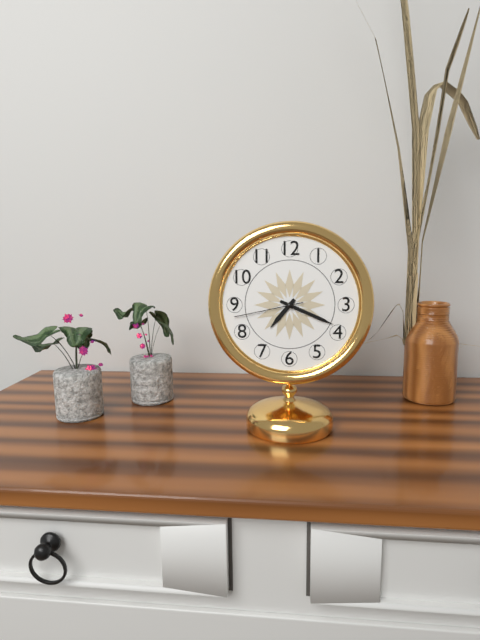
7:19:43
